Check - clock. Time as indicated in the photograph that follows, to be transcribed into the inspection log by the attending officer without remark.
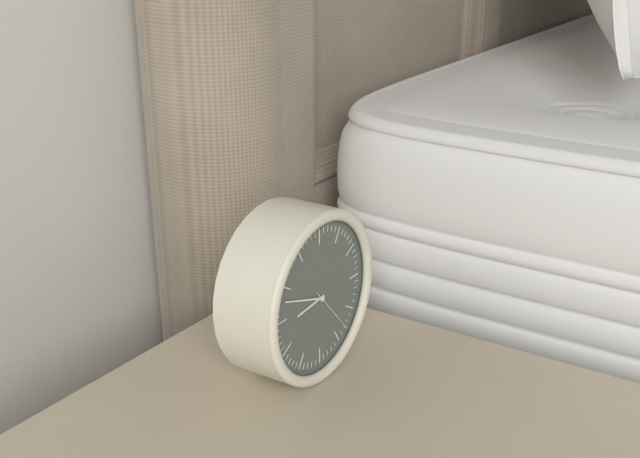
8:48
